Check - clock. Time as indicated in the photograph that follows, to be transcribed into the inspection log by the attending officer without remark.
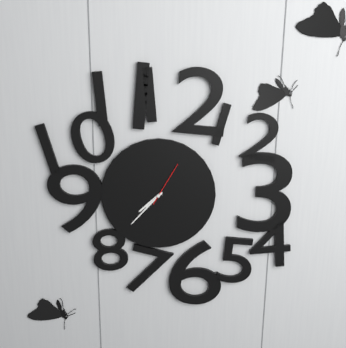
7:37
